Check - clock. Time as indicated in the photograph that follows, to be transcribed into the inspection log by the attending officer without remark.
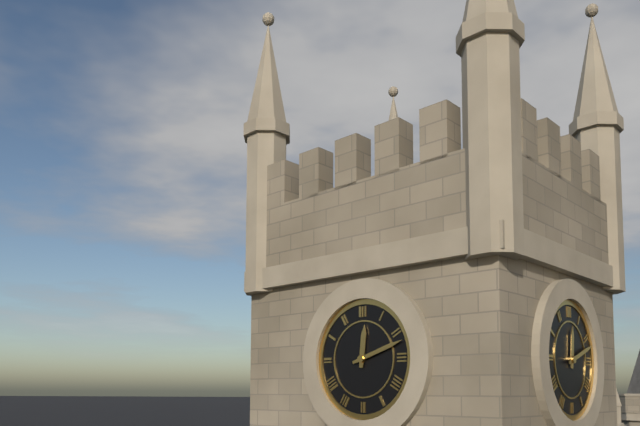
12:12
